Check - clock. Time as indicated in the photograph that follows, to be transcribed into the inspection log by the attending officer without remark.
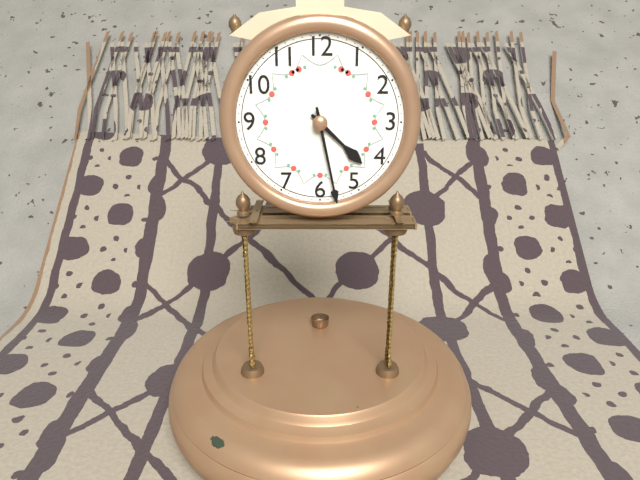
4:28
